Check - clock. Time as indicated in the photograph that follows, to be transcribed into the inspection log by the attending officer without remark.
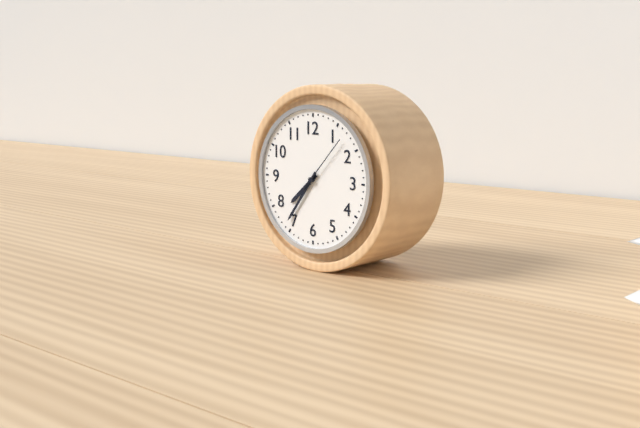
7:36:07
